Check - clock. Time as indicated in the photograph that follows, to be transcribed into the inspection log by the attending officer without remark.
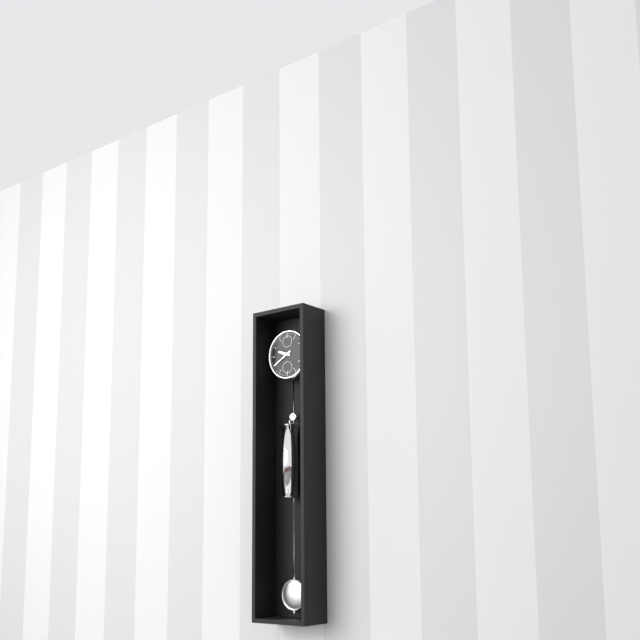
9:40
